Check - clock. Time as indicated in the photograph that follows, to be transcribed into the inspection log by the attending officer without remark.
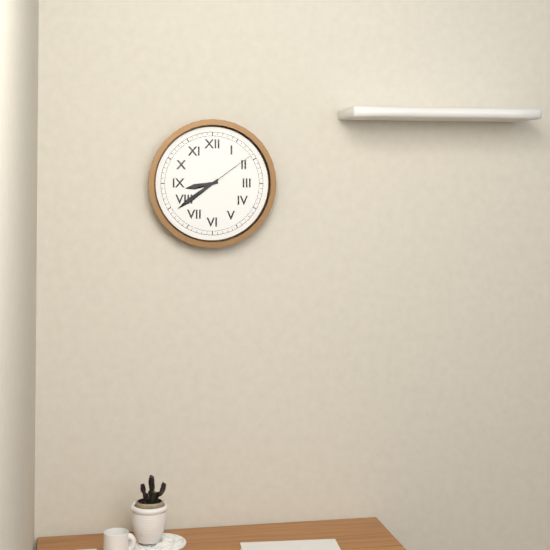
8:39:09
